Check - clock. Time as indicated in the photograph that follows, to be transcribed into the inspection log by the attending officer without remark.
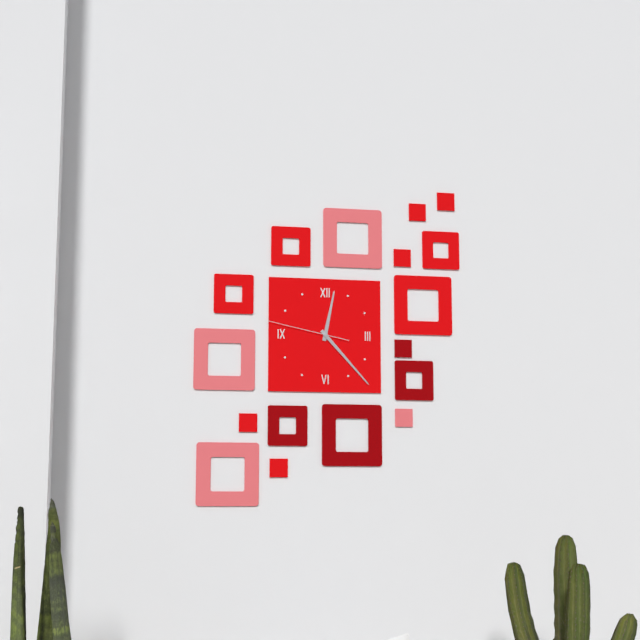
12:23:47
